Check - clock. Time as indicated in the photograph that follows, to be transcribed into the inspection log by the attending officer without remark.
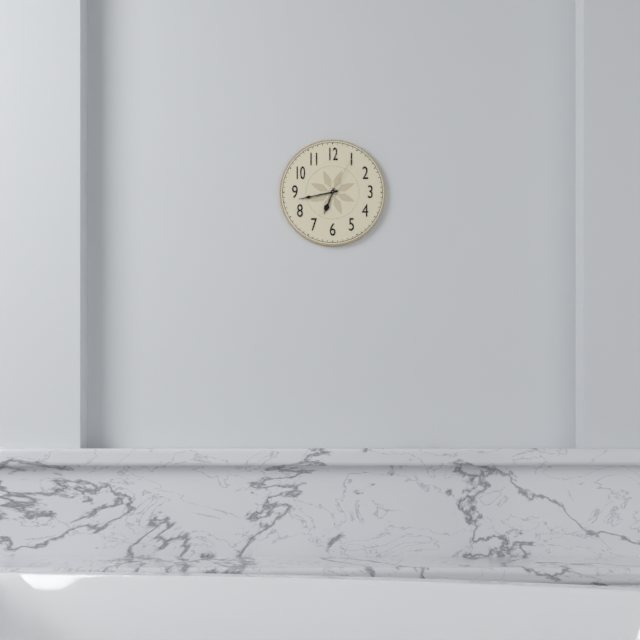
6:43
